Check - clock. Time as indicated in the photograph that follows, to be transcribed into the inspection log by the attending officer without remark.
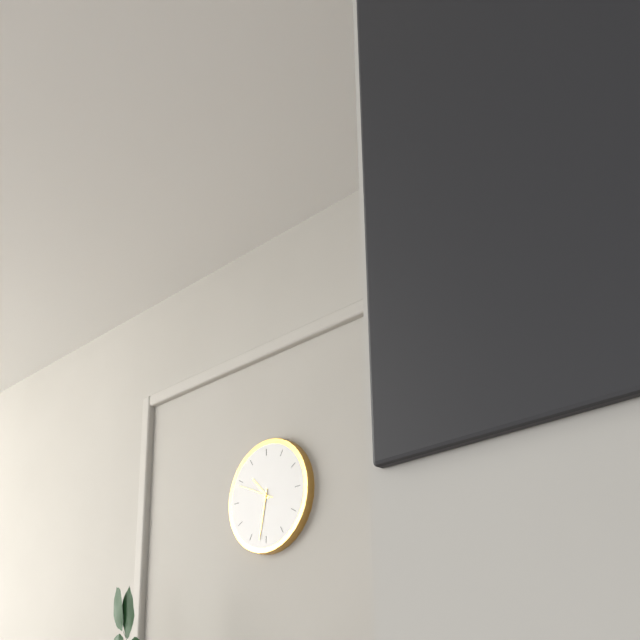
10:32
